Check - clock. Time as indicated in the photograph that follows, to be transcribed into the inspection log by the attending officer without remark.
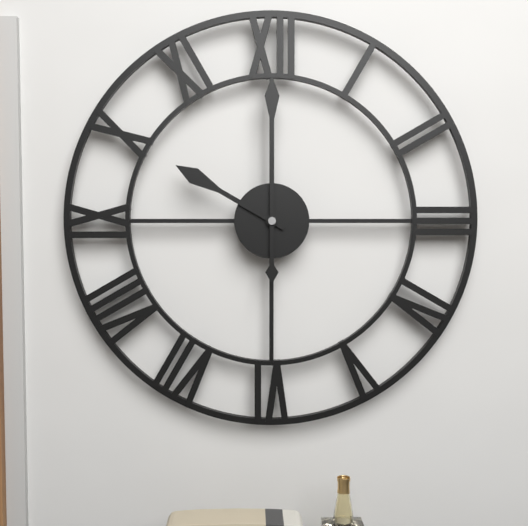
10:00
